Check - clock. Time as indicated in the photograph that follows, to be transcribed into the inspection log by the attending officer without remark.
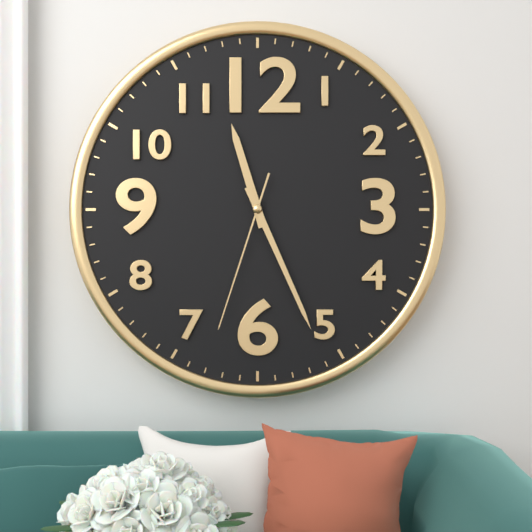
11:26:33
